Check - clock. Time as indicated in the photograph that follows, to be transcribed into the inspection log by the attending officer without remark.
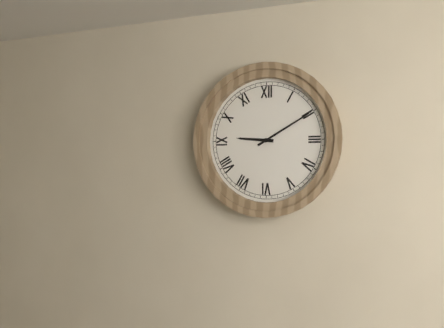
9:10
